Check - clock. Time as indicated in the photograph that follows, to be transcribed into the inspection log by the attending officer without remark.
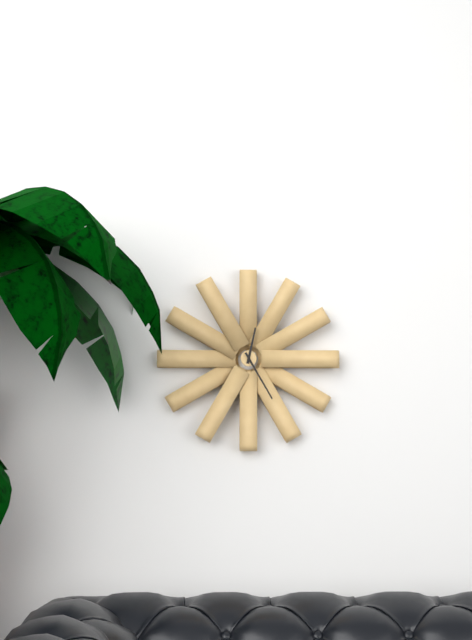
12:25
